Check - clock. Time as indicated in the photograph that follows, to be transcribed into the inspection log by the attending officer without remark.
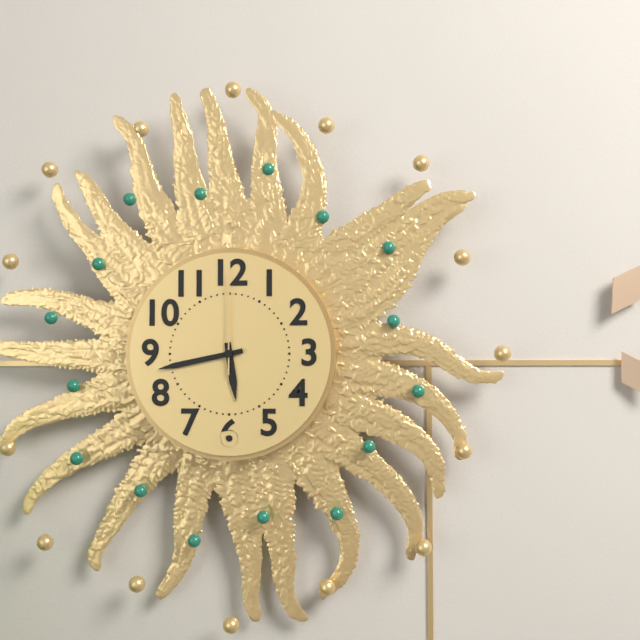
5:43:00
